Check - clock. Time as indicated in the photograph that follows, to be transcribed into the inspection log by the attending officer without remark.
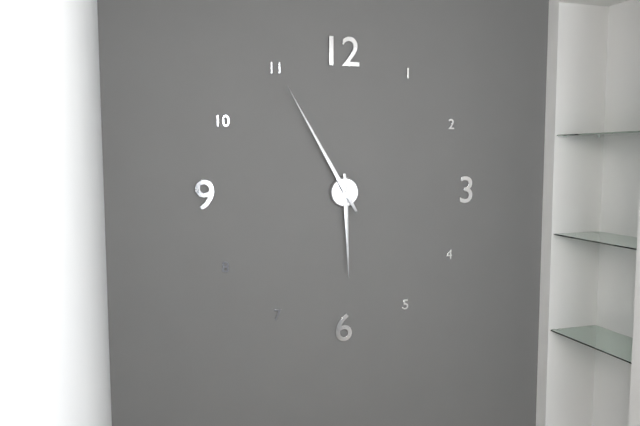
5:55
